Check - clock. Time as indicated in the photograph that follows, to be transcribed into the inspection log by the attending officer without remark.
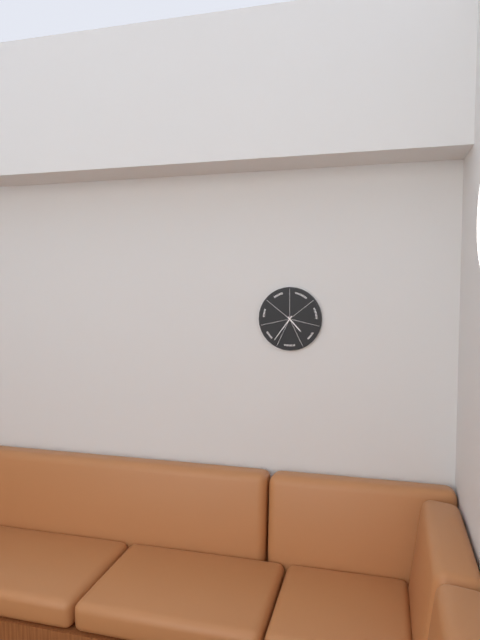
4:36
